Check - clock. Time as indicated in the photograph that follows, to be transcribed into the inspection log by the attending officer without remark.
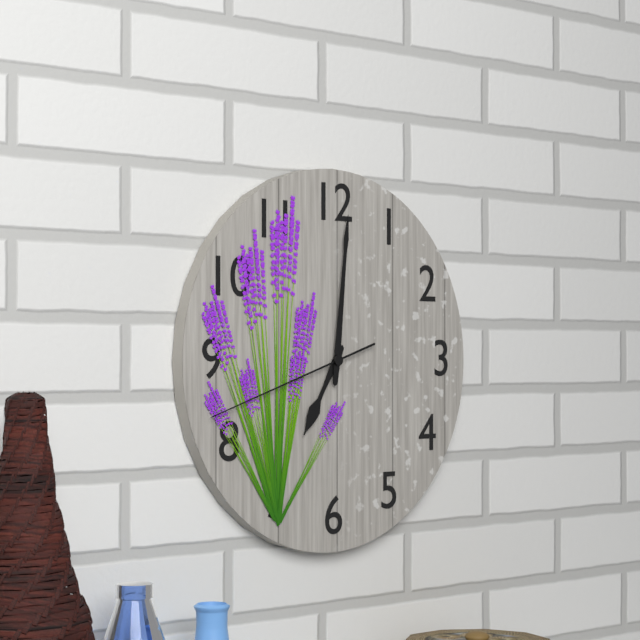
7:01:42
